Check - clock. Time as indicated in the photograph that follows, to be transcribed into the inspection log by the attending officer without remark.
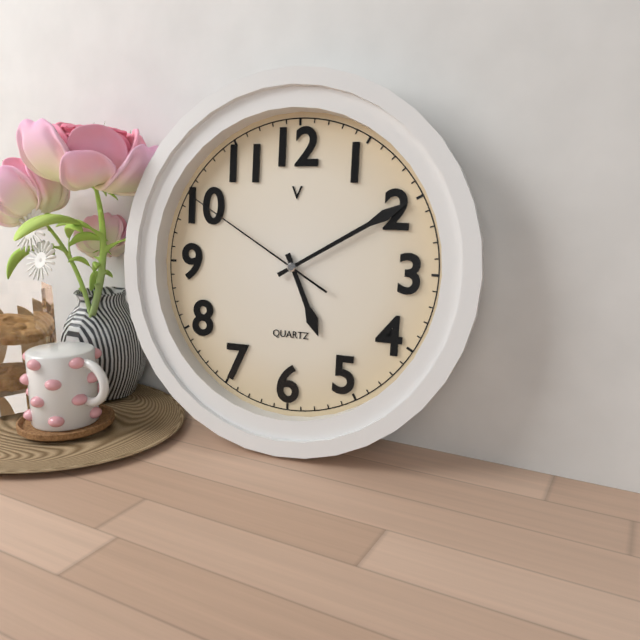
5:10:50
